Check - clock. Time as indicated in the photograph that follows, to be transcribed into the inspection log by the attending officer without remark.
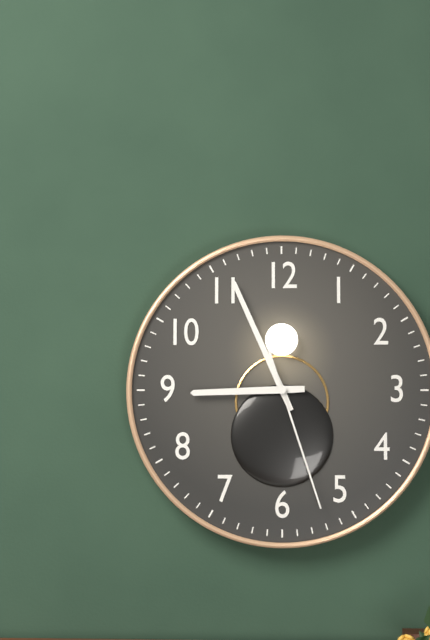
8:56:27
